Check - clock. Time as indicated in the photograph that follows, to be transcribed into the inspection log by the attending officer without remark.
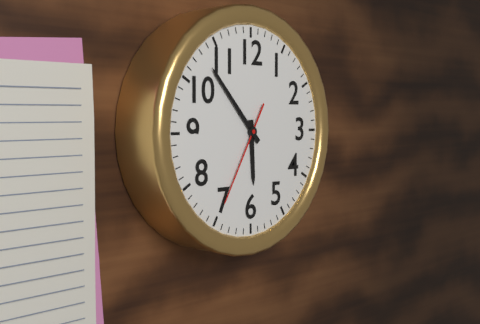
5:53:35
